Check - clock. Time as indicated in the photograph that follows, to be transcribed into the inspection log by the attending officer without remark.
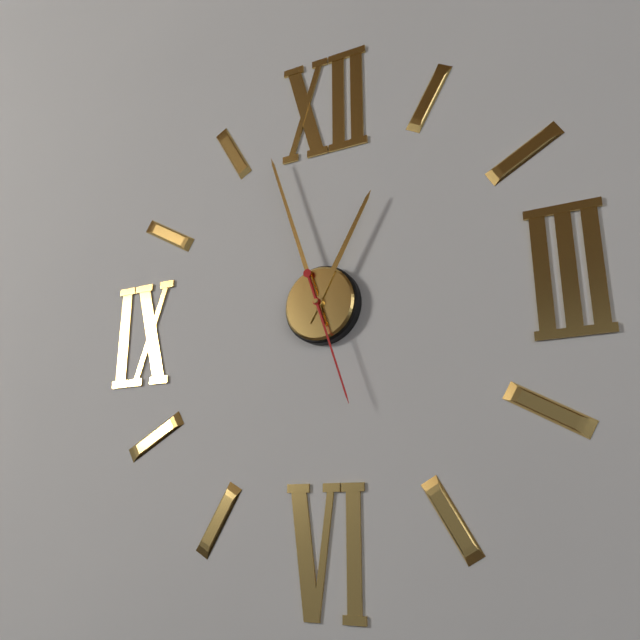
12:57:27
